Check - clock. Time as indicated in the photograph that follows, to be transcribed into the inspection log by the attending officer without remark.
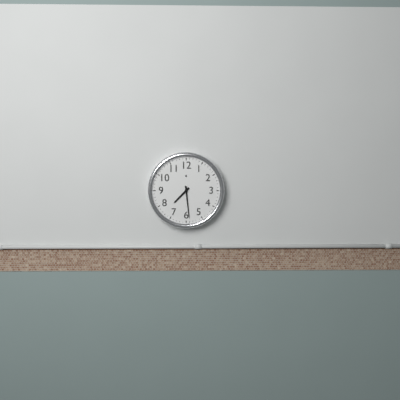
7:29
